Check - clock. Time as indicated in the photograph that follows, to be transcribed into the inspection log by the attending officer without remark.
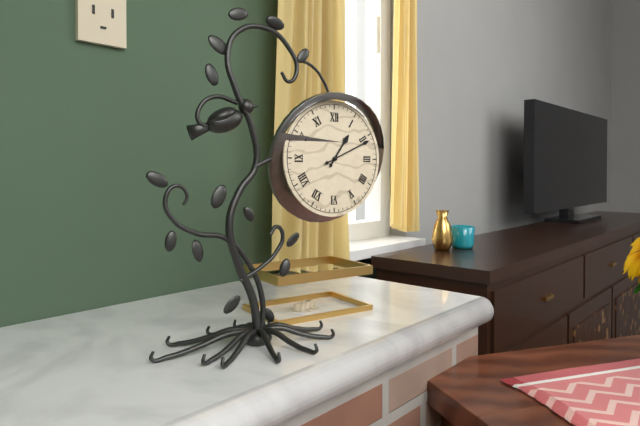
1:11
